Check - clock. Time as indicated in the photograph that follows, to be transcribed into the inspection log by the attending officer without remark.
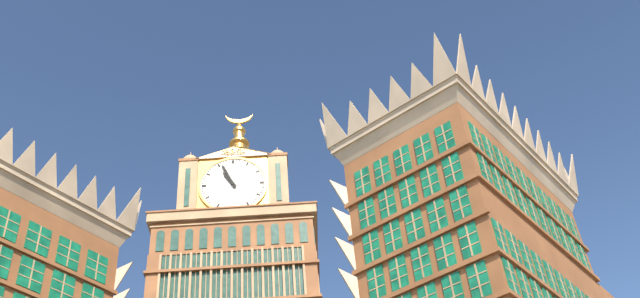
10:56
